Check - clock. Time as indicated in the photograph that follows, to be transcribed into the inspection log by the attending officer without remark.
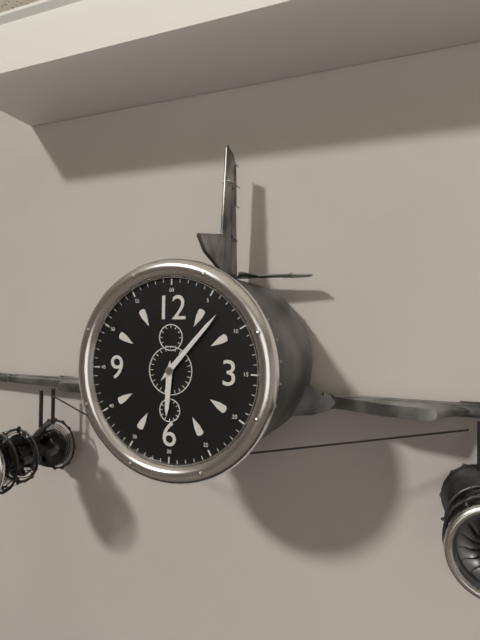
6:07
